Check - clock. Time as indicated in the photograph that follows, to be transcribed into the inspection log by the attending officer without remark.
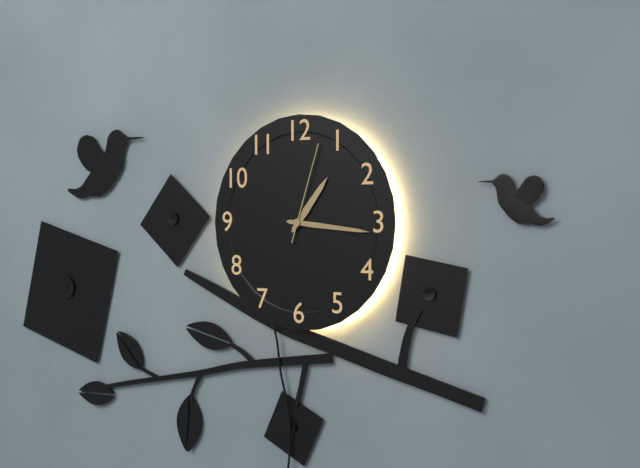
1:16:03
